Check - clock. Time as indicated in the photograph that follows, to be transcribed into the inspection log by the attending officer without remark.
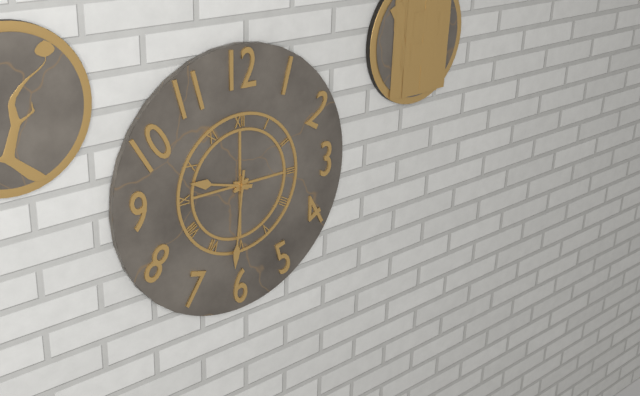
9:31
